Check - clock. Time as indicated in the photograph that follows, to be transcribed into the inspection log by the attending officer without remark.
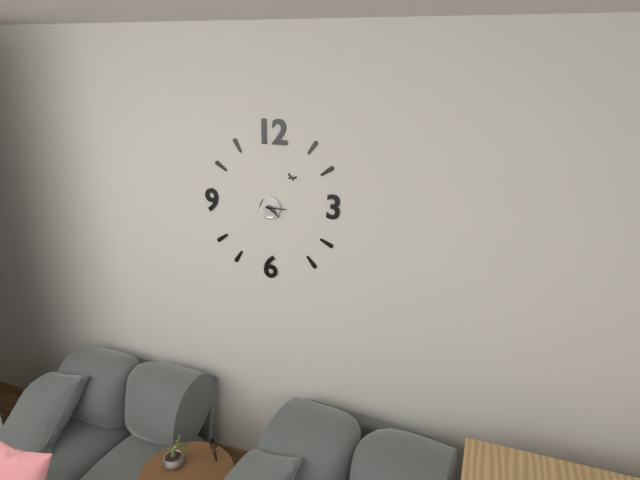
4:15
